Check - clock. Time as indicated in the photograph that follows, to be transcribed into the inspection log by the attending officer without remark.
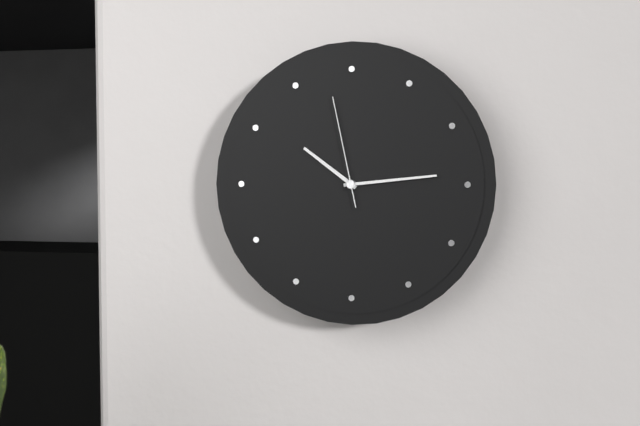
10:14:58
